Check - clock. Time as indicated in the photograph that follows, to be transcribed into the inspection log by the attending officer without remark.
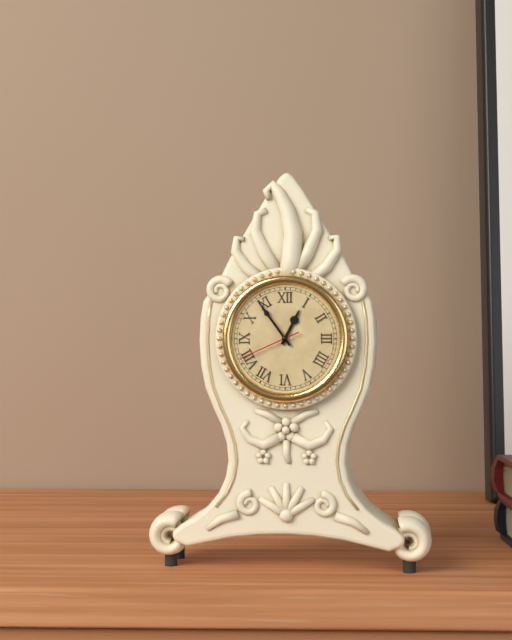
12:54:41
